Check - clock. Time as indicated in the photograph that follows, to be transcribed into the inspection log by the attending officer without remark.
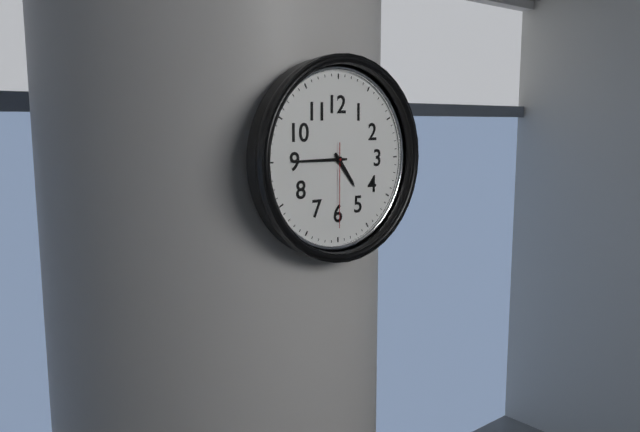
4:45:30
